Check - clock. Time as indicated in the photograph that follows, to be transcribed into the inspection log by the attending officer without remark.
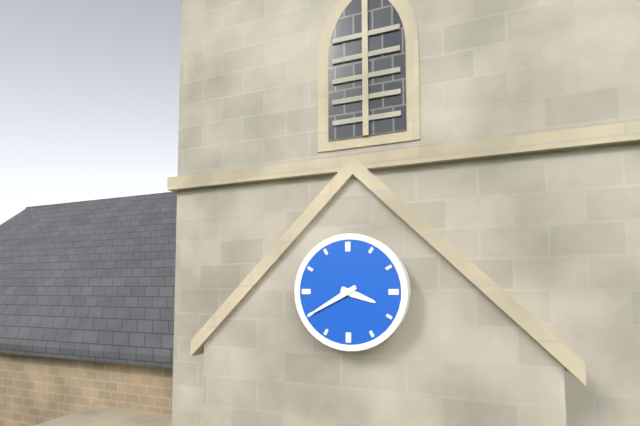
3:40
